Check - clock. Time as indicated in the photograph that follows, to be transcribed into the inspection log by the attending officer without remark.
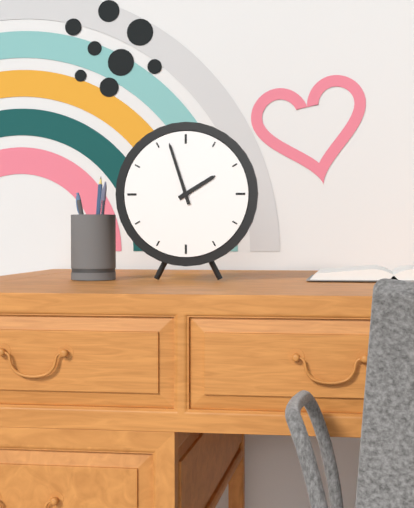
1:57
